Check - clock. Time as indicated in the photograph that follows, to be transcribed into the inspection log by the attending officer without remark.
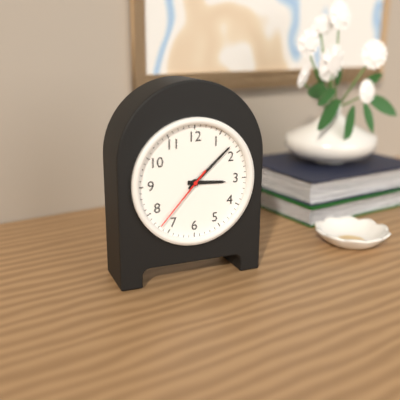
3:08:37
